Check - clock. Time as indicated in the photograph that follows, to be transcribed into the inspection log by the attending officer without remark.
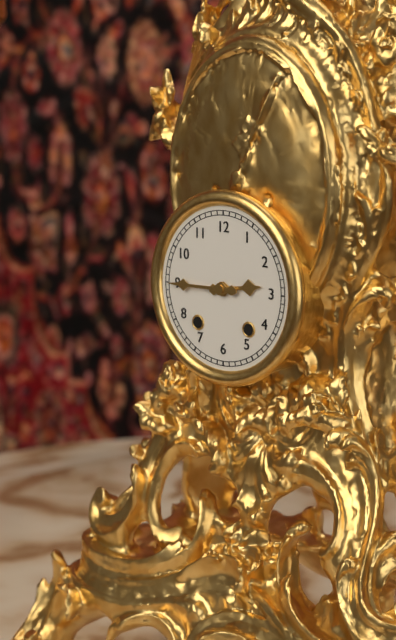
2:45
